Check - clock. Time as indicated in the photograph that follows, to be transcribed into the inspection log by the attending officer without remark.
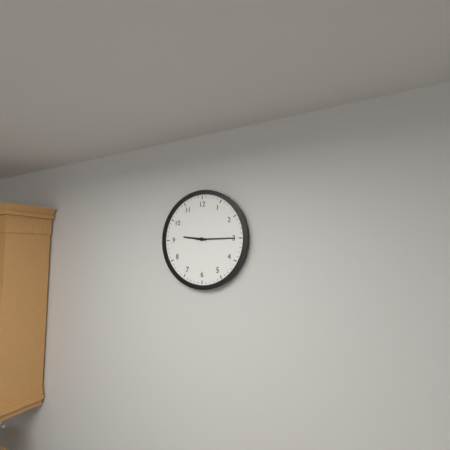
9:15
